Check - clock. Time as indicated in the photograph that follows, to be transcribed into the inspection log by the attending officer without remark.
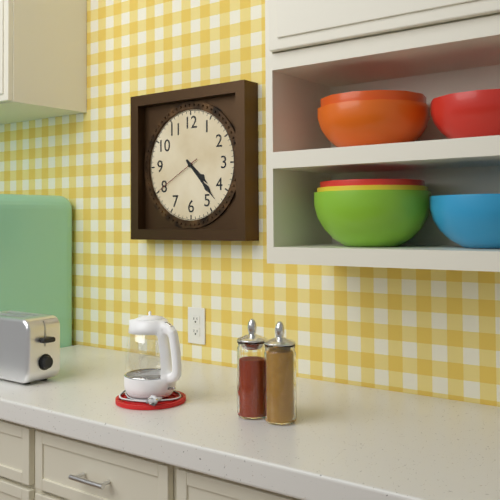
4:23:40
